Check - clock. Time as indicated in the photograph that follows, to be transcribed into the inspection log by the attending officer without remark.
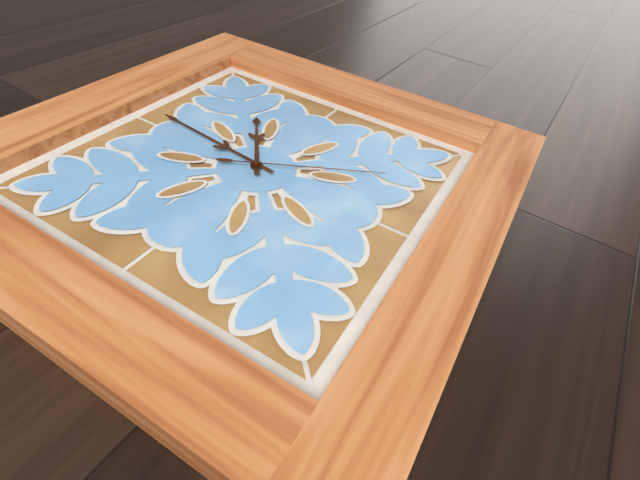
10:46:10
